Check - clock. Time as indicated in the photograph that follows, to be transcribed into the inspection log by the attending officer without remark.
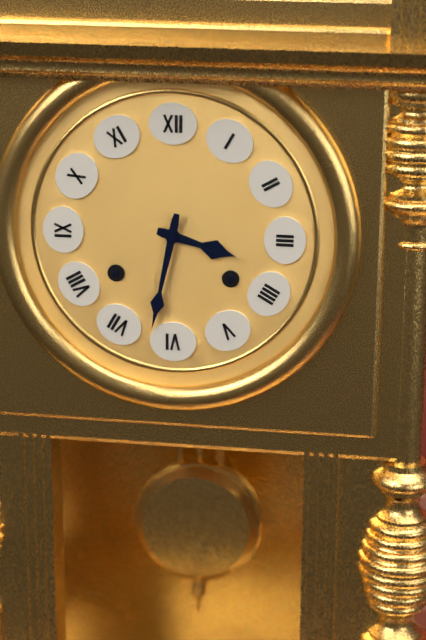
3:32
